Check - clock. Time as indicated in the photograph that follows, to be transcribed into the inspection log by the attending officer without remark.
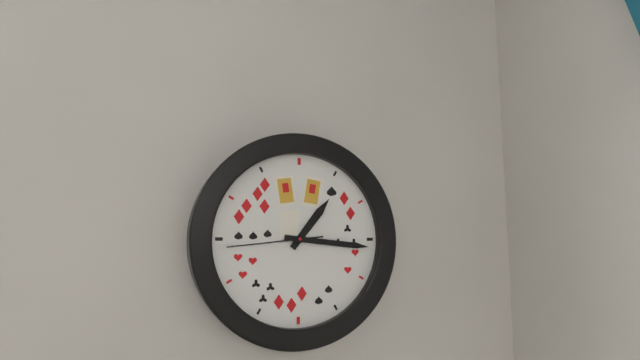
1:16:44
